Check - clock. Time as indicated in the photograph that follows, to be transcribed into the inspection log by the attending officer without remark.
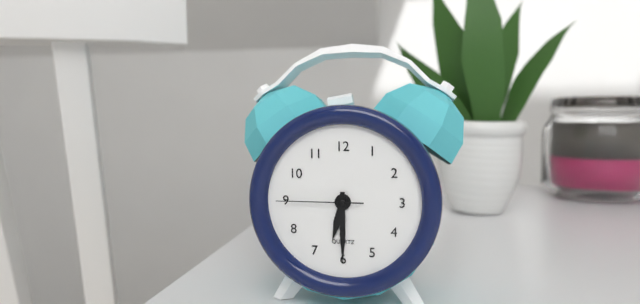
6:30:45
